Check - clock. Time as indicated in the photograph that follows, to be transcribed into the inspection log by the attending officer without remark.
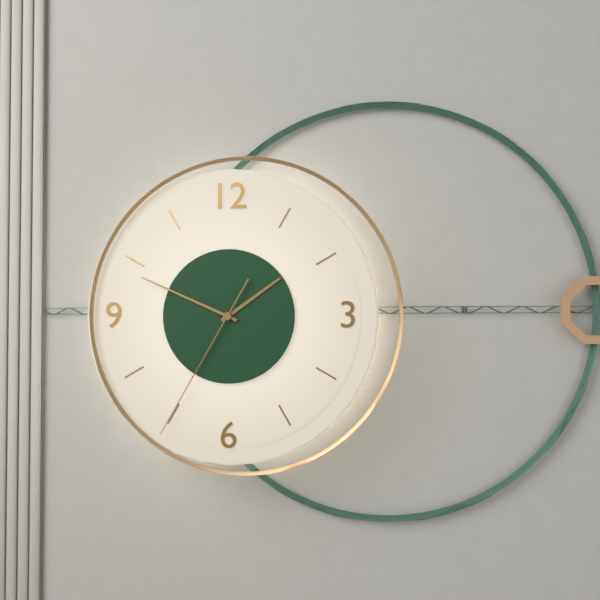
1:49:35
